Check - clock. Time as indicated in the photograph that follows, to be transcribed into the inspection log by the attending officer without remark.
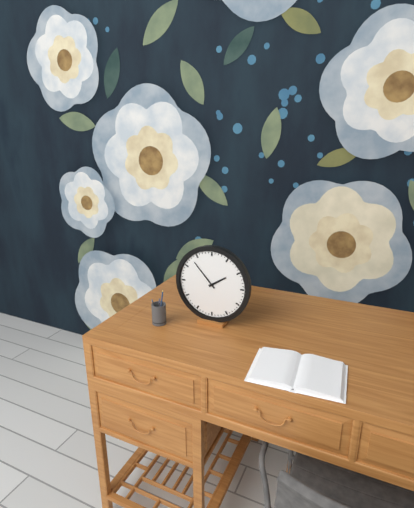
1:53
